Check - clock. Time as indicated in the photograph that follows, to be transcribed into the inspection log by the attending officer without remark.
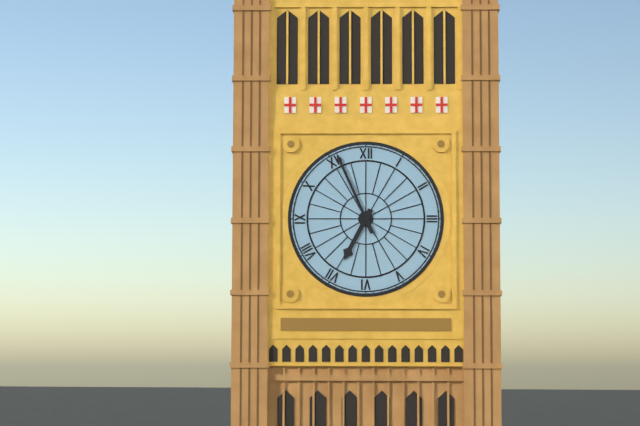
6:56
